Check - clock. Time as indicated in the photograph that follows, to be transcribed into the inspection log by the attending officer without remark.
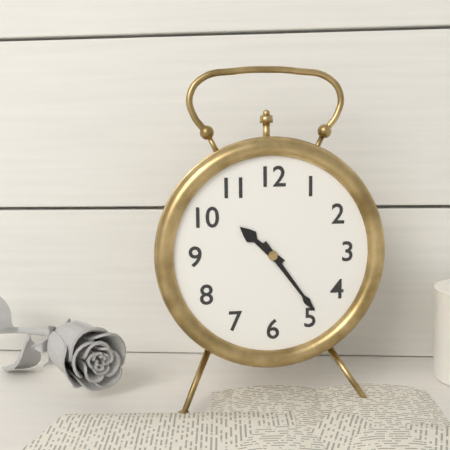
10:24
